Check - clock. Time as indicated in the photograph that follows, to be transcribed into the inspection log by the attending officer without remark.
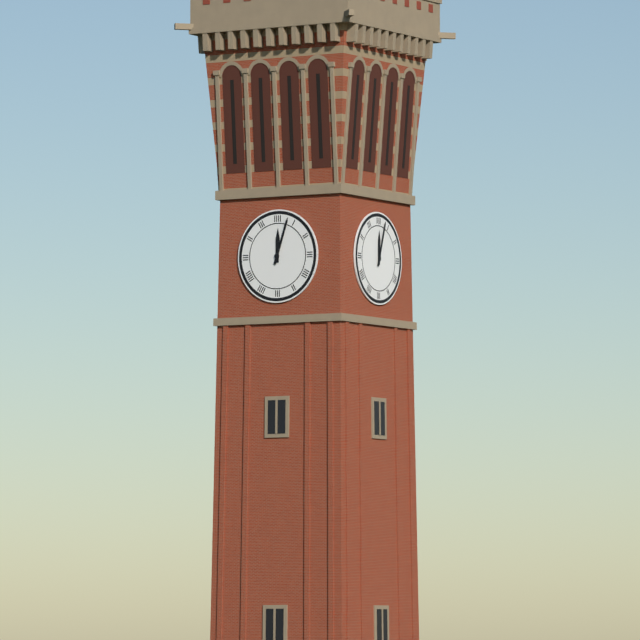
12:03
